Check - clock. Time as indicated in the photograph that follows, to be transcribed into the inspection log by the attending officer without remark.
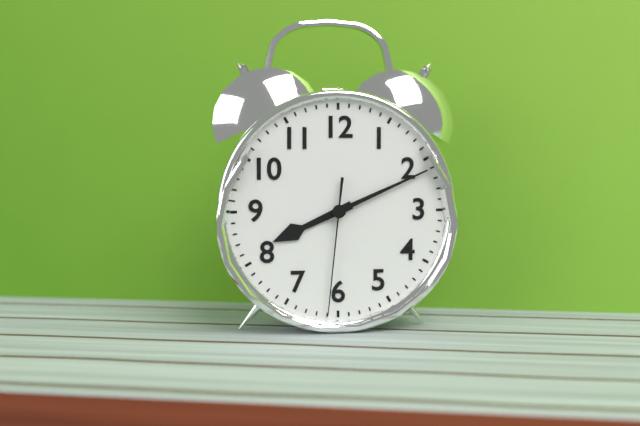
8:11:31
